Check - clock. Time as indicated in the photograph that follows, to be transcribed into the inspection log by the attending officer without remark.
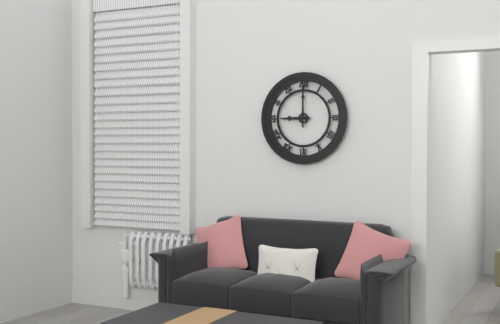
9:00
